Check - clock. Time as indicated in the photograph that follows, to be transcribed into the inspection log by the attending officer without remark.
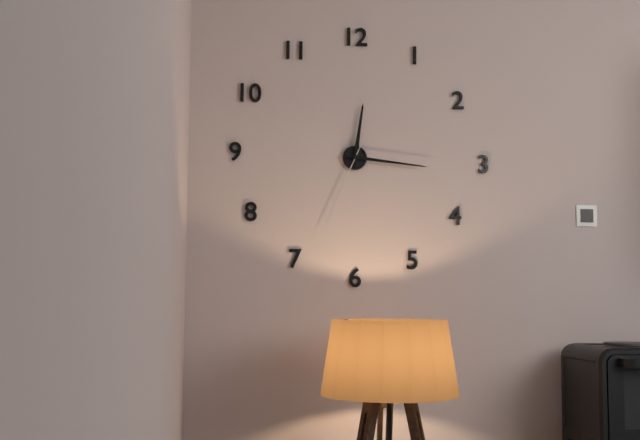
12:16:34
